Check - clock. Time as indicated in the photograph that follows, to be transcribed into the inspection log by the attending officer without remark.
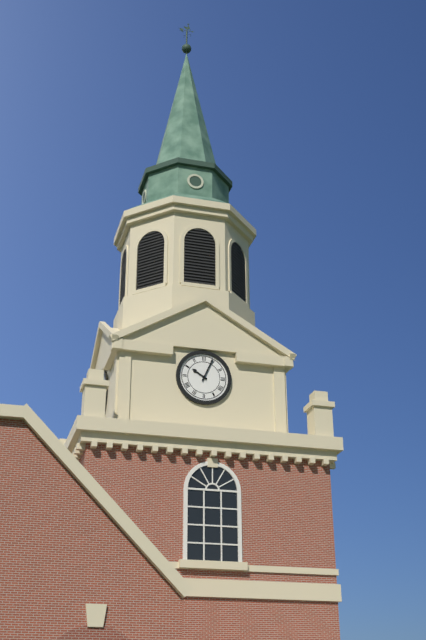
10:04
